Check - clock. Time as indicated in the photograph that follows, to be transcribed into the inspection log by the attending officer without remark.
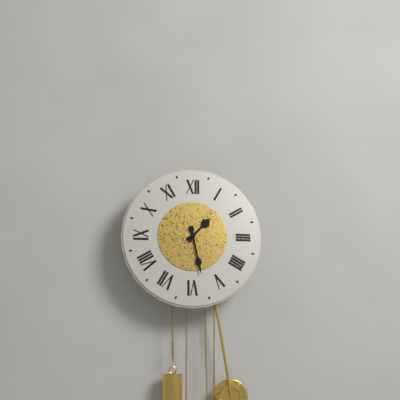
1:28
